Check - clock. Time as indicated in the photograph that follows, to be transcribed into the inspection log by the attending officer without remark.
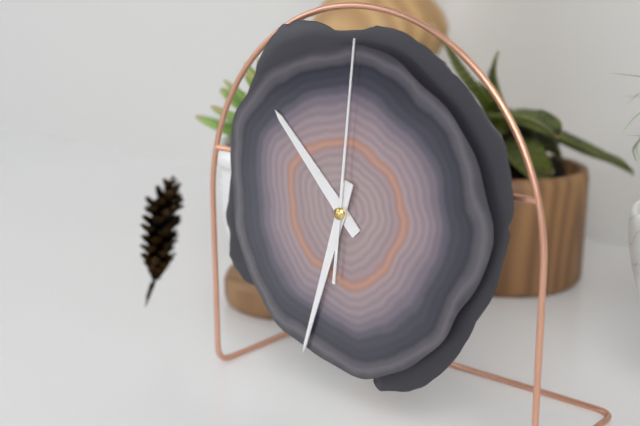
10:33:01
